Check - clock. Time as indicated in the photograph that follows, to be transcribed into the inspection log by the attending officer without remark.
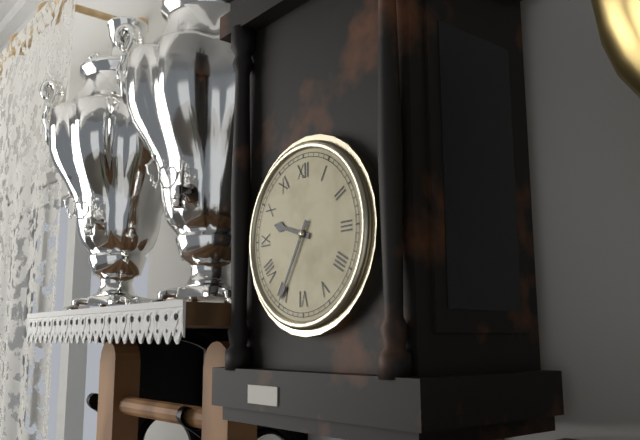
9:35
